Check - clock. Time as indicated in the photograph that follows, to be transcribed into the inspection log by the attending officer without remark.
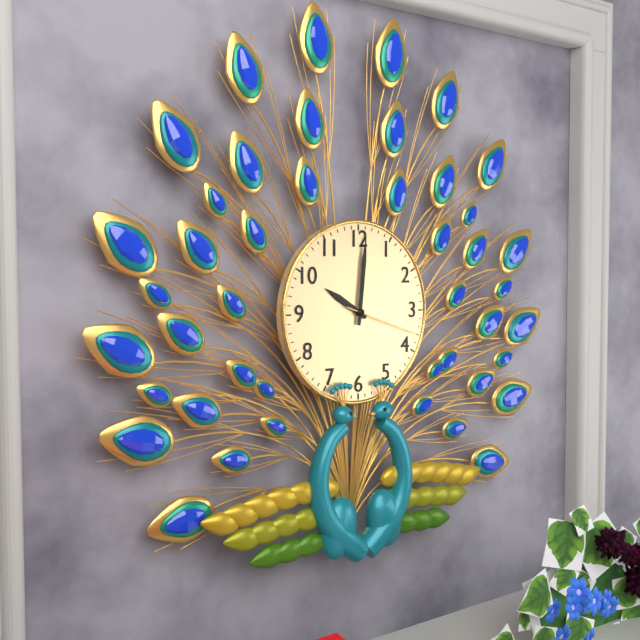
10:01:18
